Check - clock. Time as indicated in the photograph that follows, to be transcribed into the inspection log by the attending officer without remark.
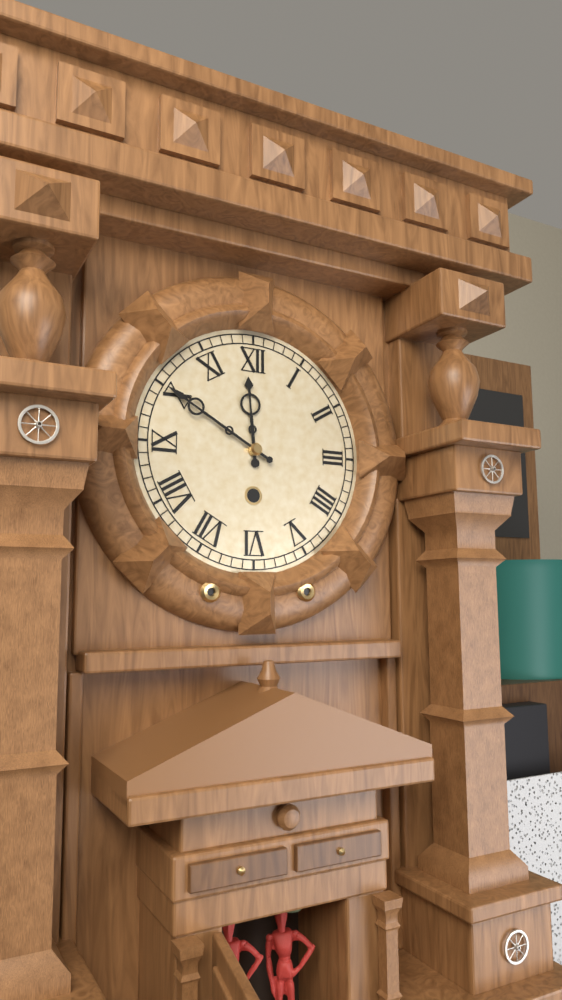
11:50
